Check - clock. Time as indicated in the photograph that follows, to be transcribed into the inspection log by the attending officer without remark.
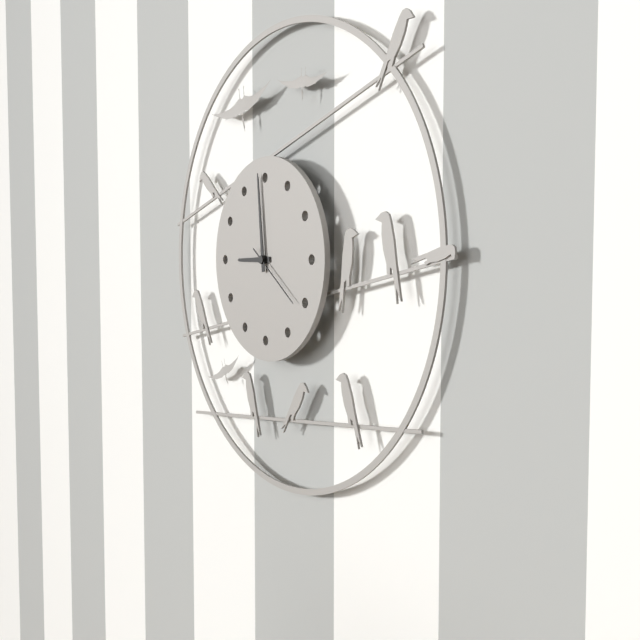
8:59:21
